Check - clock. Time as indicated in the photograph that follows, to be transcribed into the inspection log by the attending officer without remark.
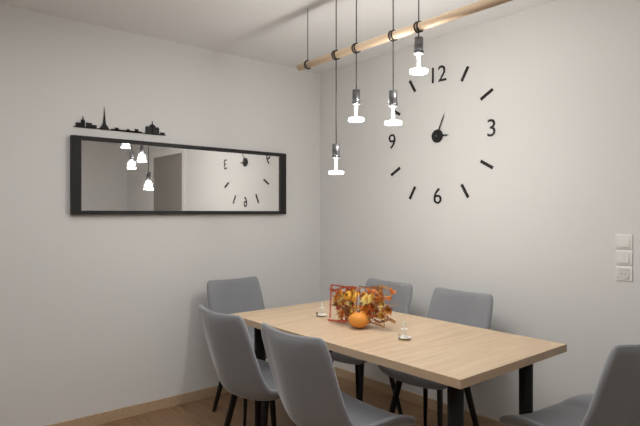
3:04
